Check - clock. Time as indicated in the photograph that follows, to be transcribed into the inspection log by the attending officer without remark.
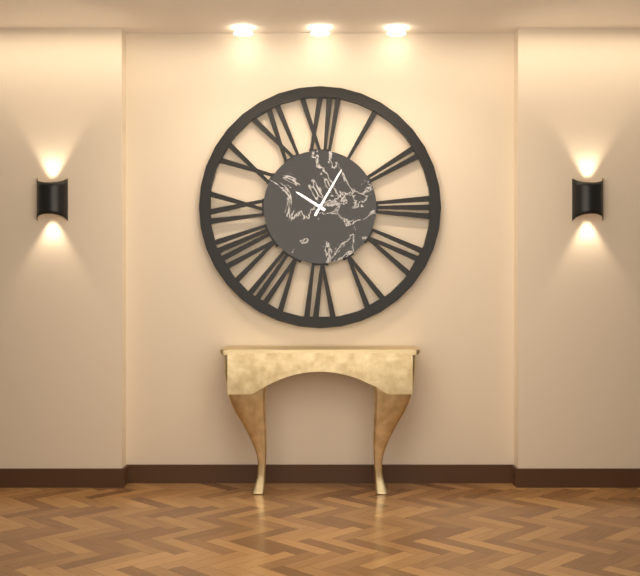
10:05
